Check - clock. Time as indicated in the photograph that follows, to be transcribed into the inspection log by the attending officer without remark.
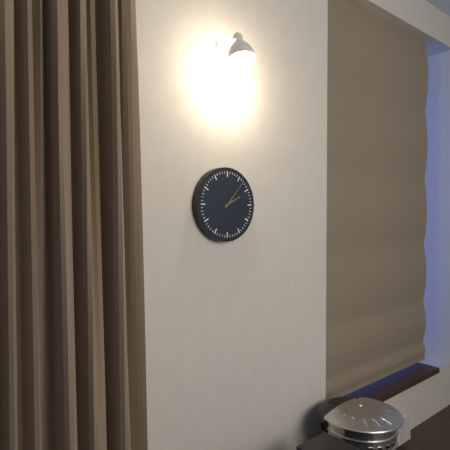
2:07
